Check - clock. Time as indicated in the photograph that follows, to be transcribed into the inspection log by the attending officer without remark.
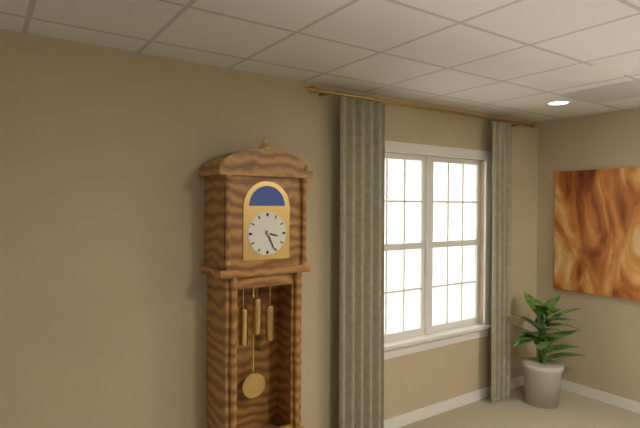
3:26
